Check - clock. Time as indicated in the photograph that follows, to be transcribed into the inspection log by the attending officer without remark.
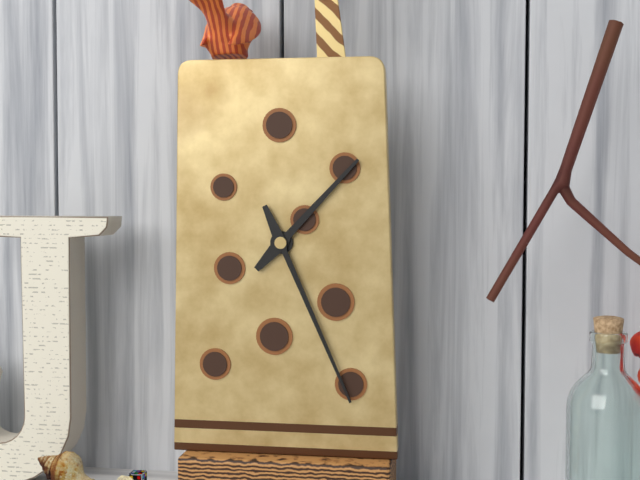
1:26
